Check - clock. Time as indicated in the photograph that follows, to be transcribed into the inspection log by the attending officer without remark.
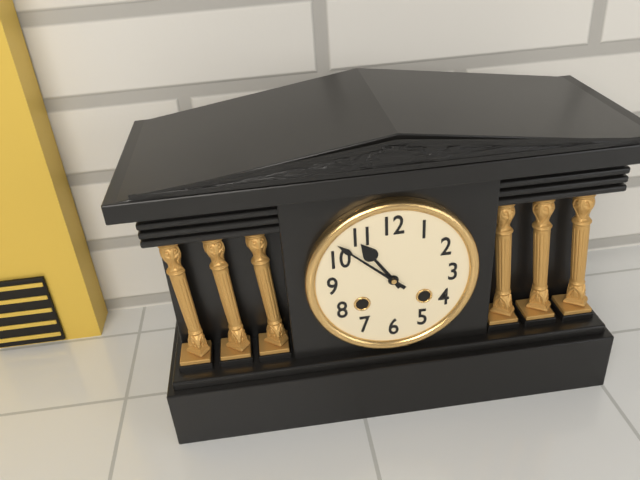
10:52
